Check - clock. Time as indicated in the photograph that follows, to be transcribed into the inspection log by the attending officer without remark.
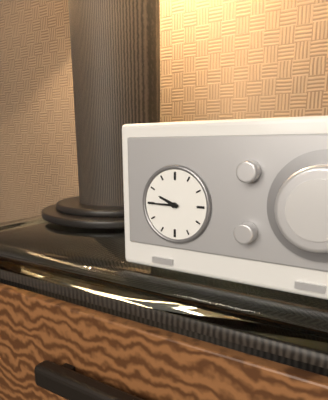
9:45
